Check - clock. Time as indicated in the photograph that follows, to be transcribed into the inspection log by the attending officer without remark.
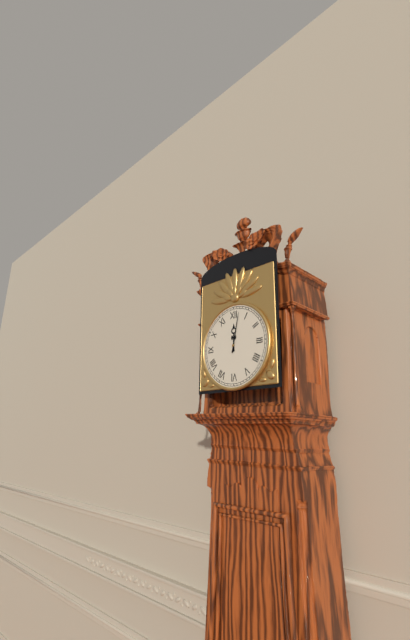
12:02
